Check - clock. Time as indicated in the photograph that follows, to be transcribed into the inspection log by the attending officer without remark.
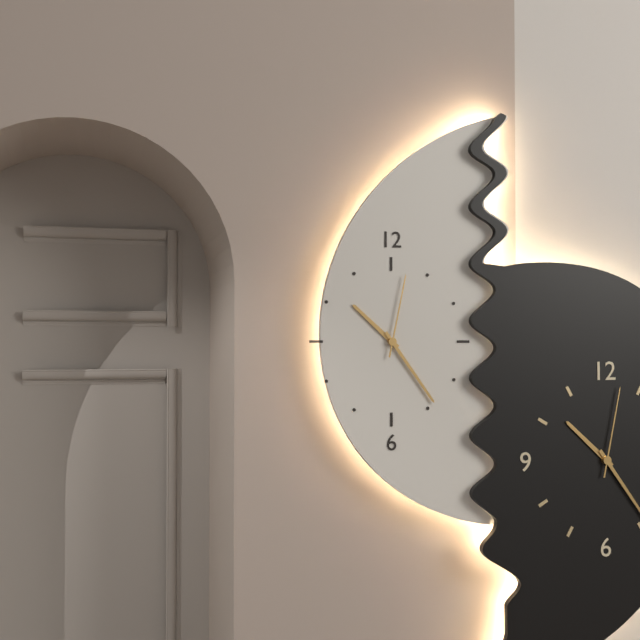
10:24:02
